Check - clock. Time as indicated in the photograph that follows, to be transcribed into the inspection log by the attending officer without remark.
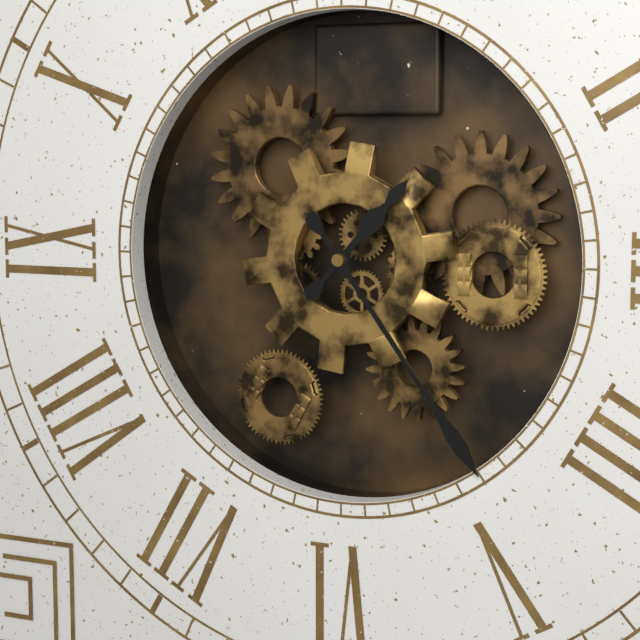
1:24
